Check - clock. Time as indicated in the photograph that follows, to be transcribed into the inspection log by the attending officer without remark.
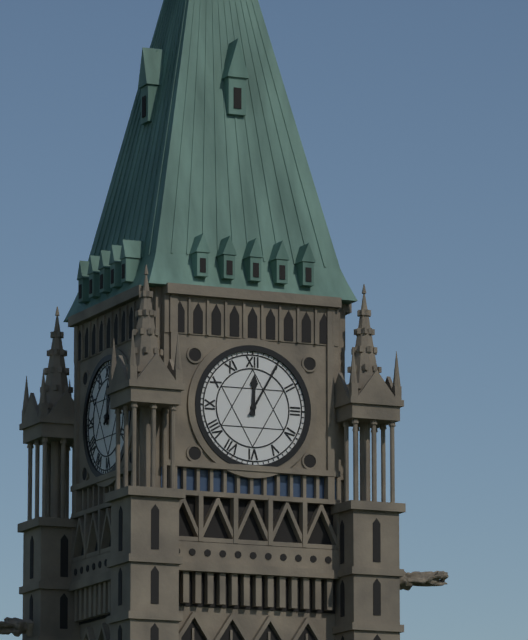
12:05
